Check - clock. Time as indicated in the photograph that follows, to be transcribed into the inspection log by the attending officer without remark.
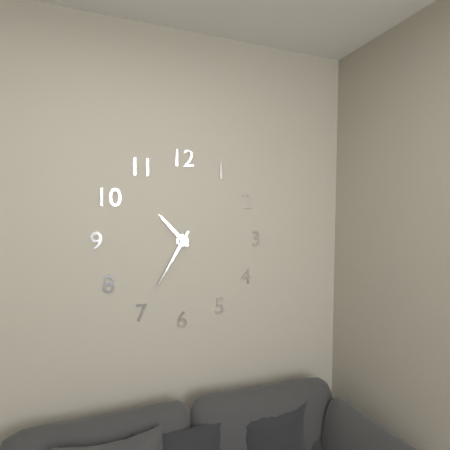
10:35
